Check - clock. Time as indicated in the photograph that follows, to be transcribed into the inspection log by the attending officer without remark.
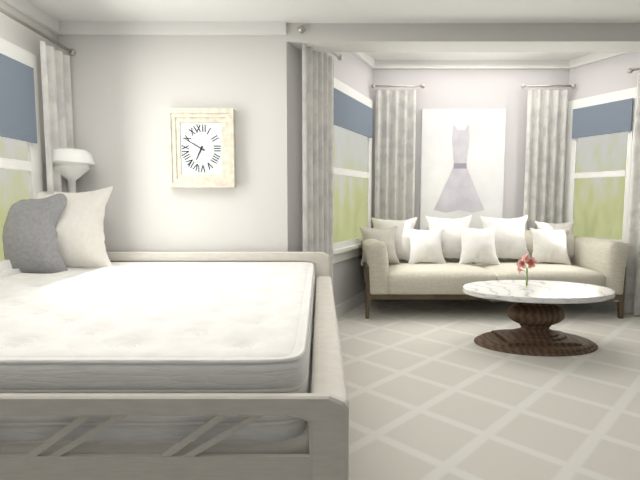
6:50
